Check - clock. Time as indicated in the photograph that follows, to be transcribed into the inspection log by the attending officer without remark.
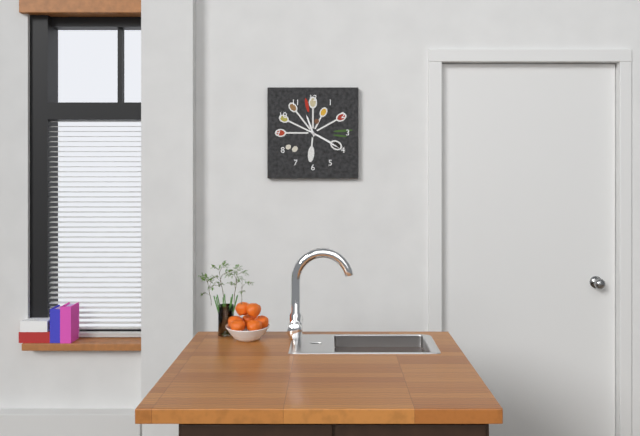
11:20
